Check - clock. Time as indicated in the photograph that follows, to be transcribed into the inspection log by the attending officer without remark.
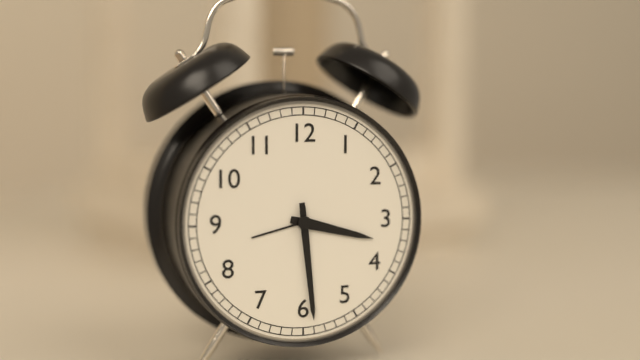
3:29
